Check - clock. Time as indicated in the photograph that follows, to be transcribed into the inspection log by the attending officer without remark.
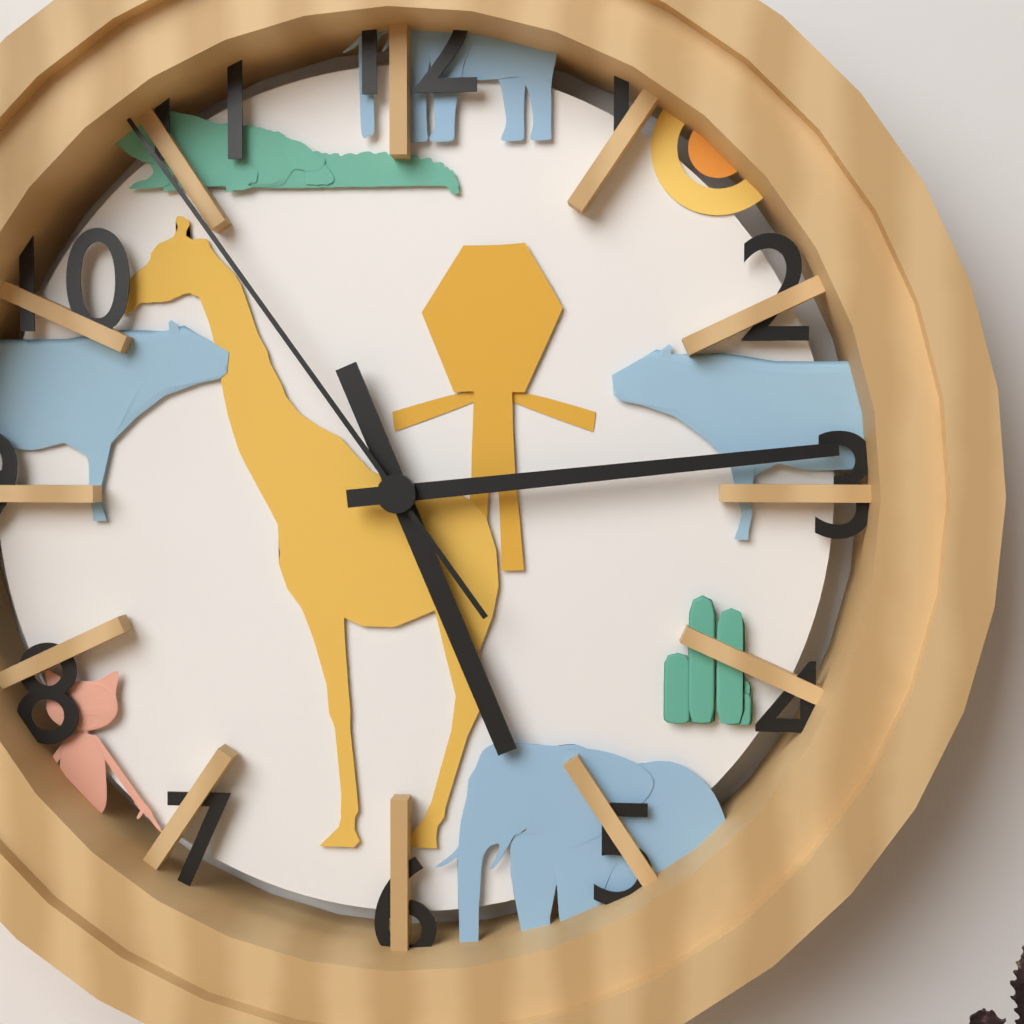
5:14:54
